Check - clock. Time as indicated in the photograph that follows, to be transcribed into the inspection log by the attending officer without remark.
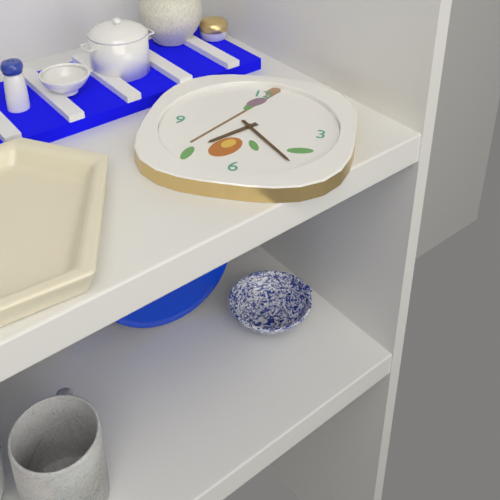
7:23
